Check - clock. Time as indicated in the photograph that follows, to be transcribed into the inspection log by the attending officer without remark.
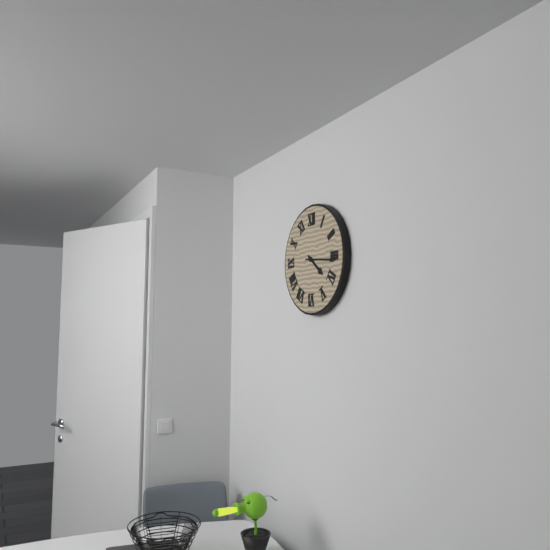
4:16
